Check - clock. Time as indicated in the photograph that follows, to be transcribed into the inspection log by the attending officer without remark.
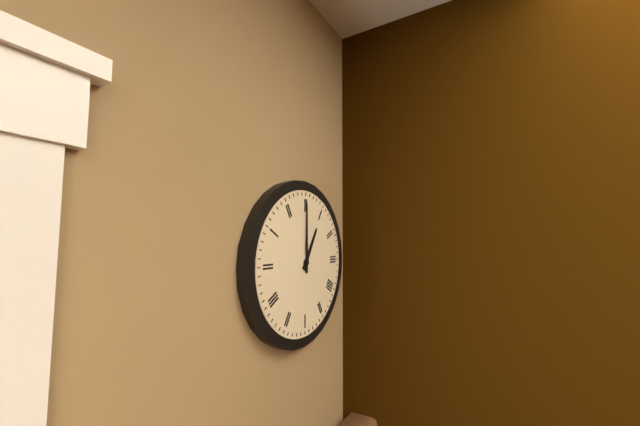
1:00
